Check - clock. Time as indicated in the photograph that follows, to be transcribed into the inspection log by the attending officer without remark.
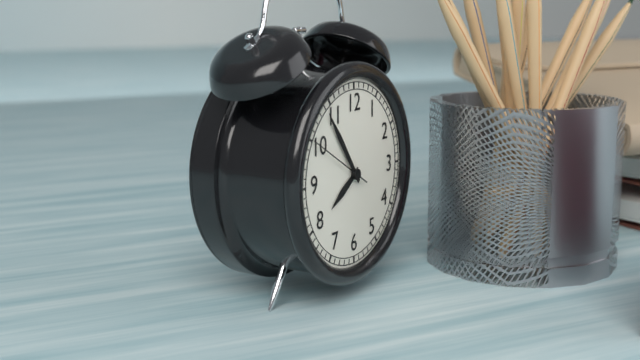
7:54:50
